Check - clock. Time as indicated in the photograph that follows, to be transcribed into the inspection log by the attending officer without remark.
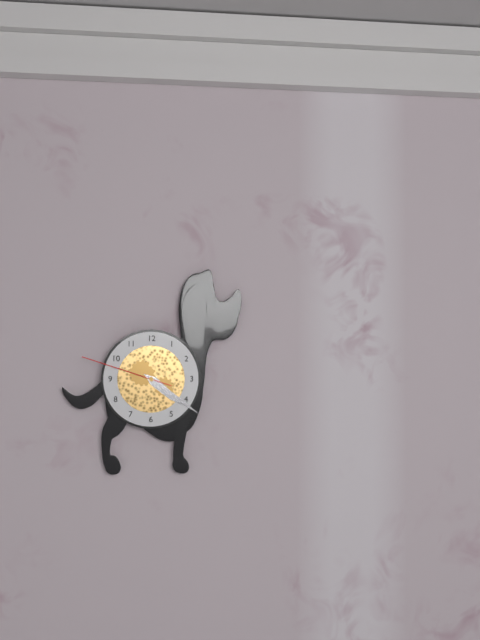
4:21:48
